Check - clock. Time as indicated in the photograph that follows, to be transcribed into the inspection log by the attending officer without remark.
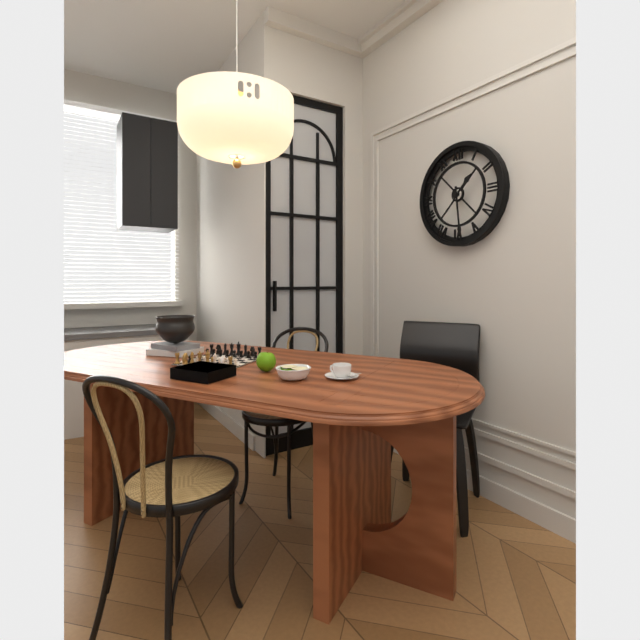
1:29
